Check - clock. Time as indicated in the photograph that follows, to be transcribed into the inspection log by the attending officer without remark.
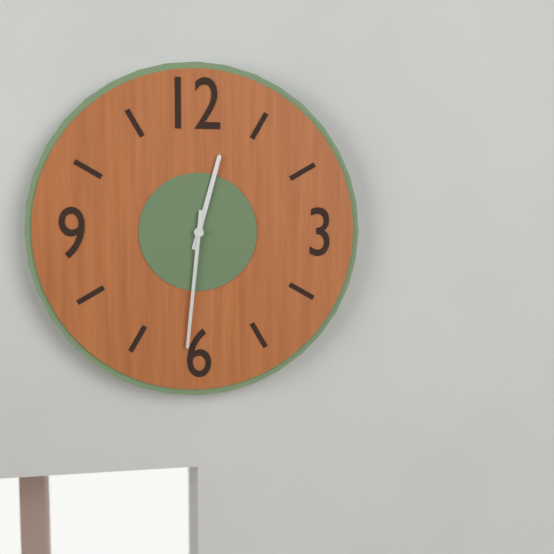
12:31
